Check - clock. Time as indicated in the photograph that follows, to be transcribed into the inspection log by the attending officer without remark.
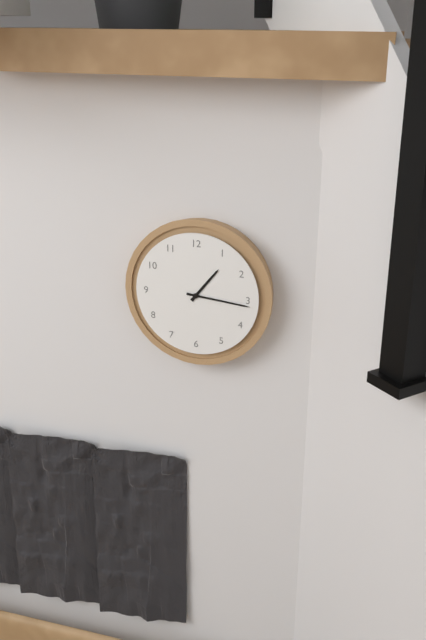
1:16
